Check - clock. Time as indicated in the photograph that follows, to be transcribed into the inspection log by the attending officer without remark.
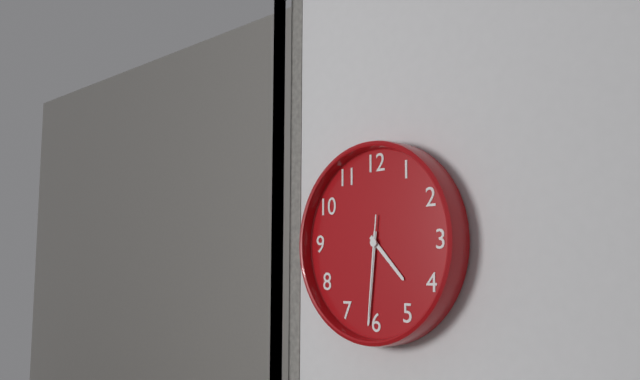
4:31:31
